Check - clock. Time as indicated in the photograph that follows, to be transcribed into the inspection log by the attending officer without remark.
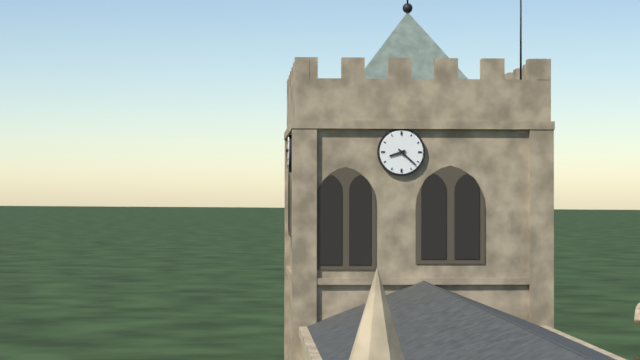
8:22
